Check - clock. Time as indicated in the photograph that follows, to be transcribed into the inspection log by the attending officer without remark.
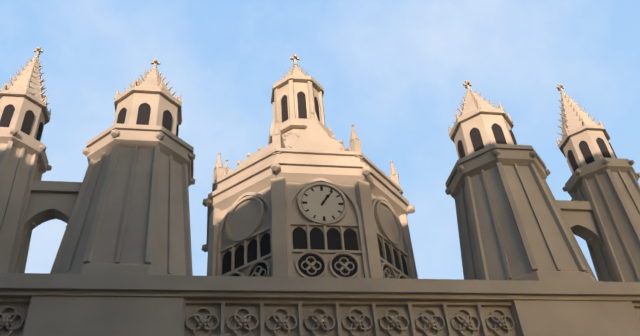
1:06
